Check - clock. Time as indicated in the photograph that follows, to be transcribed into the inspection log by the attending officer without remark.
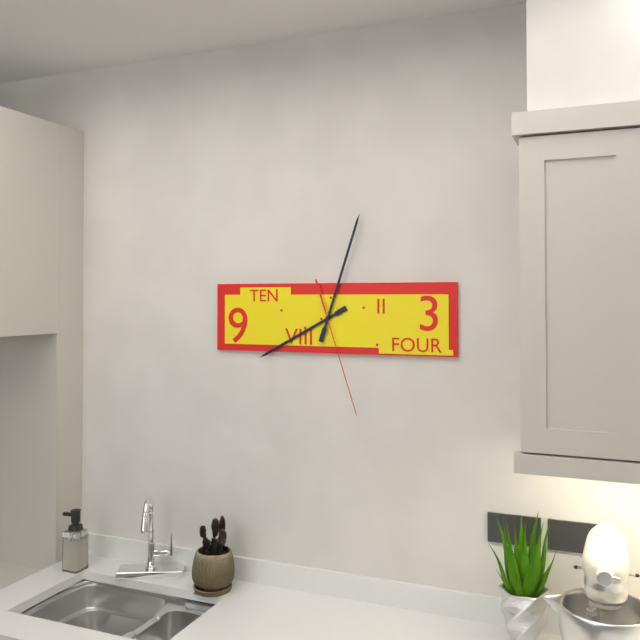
8:03:27
